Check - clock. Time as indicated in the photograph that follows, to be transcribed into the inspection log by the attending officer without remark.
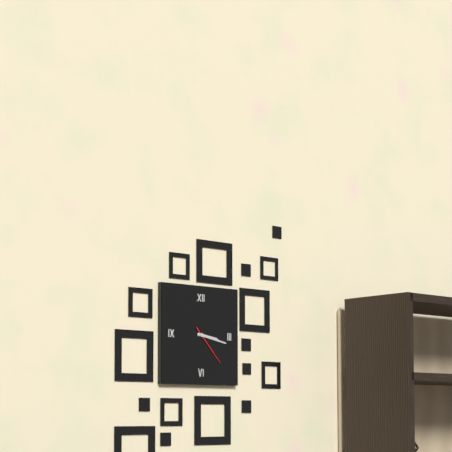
3:17
